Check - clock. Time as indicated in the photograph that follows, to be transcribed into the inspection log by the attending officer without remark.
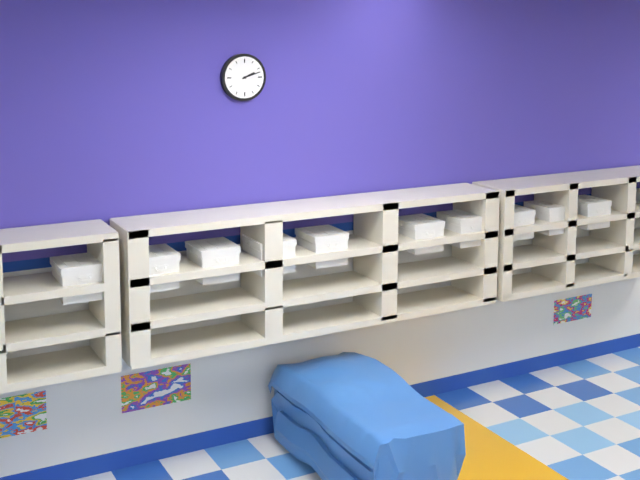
2:12
